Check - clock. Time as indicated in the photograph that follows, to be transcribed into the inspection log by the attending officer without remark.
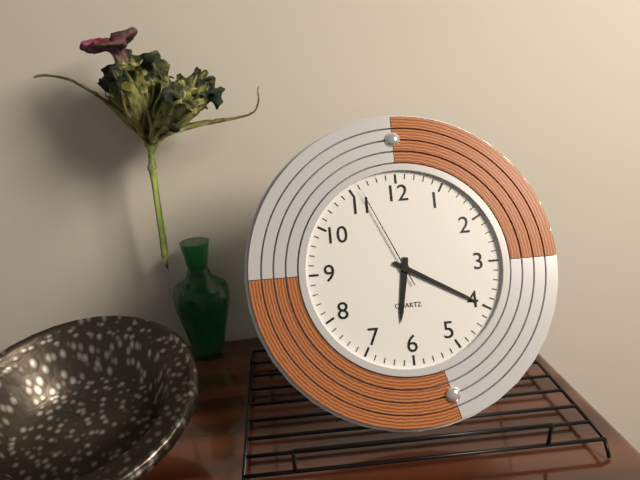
6:20:56
